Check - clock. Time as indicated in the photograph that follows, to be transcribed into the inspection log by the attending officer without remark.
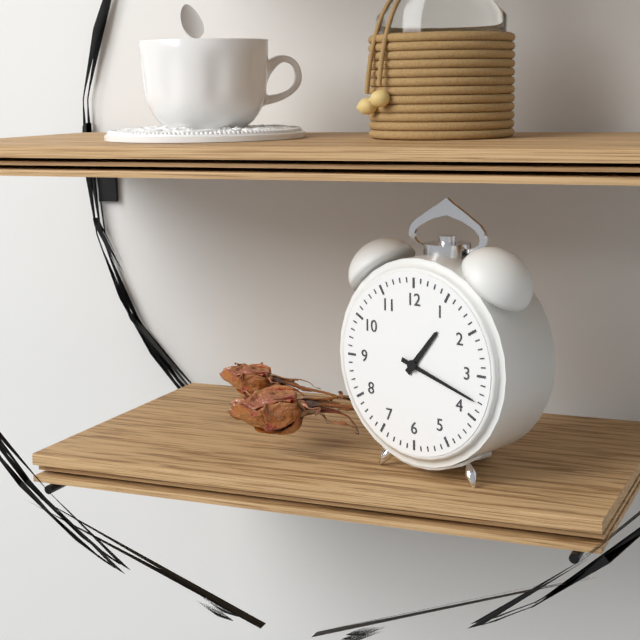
1:18
